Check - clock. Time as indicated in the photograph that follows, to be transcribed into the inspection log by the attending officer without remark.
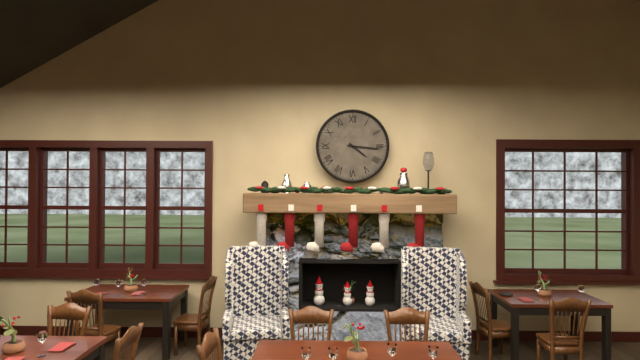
4:16
